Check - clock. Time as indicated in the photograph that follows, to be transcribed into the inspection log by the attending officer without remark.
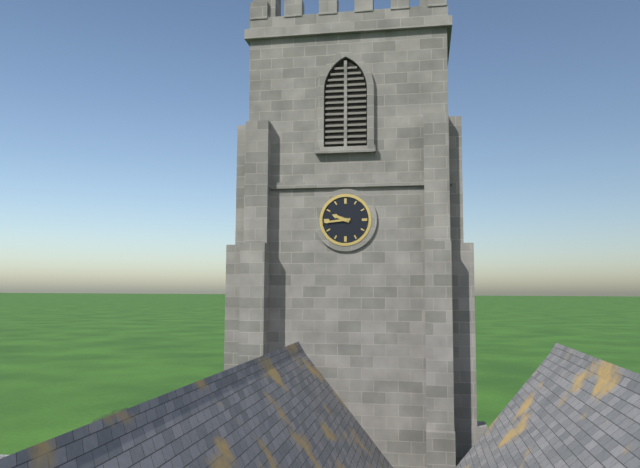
9:44
